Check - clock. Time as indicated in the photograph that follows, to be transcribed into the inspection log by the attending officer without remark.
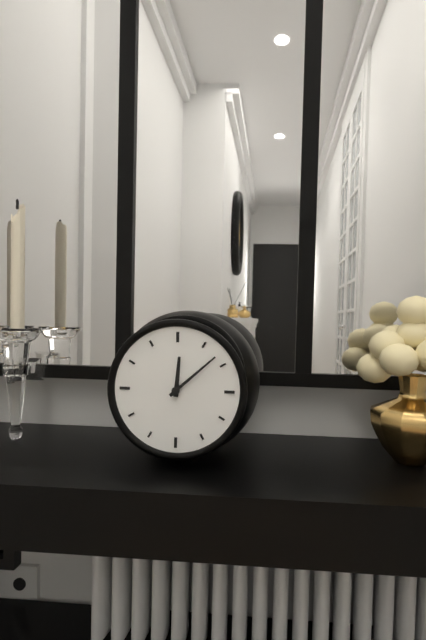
12:08
